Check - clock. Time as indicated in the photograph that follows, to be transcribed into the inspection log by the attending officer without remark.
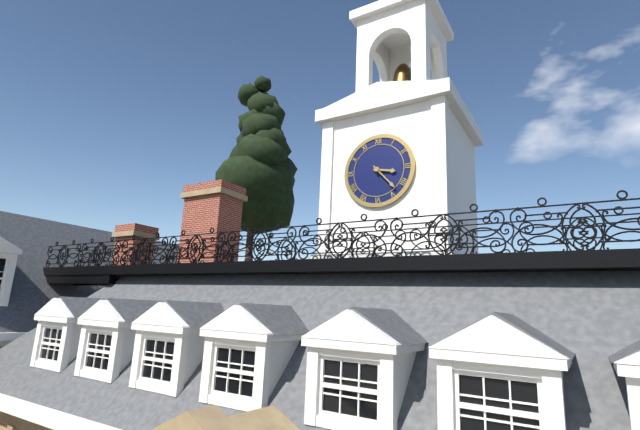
3:23
